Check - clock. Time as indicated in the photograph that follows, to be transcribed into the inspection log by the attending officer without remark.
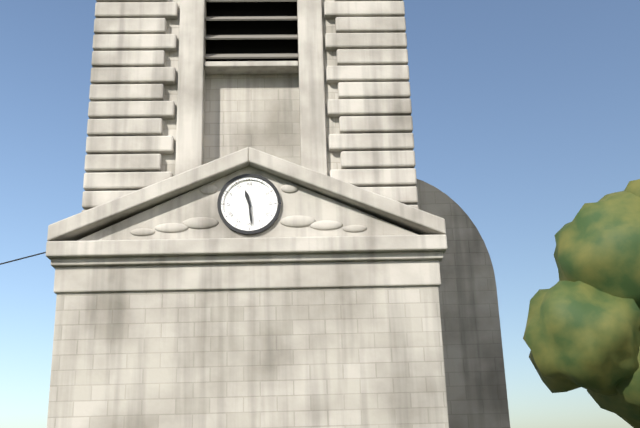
11:29
